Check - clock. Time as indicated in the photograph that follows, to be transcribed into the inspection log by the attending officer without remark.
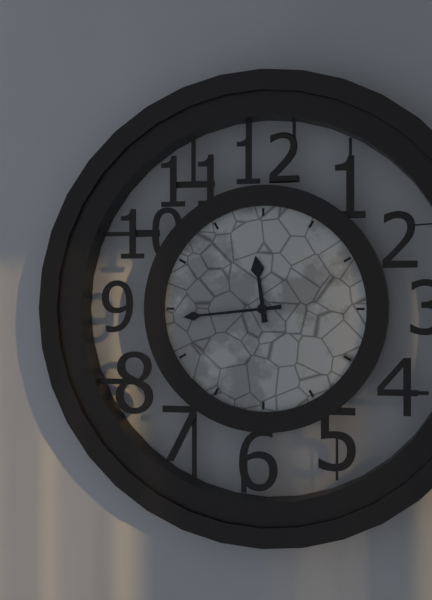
11:44
